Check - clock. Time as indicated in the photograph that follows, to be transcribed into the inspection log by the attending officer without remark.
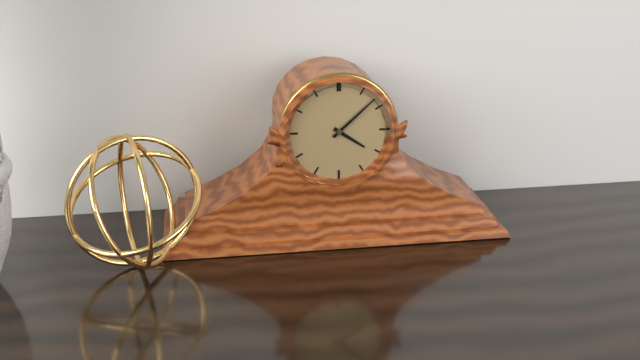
4:08
